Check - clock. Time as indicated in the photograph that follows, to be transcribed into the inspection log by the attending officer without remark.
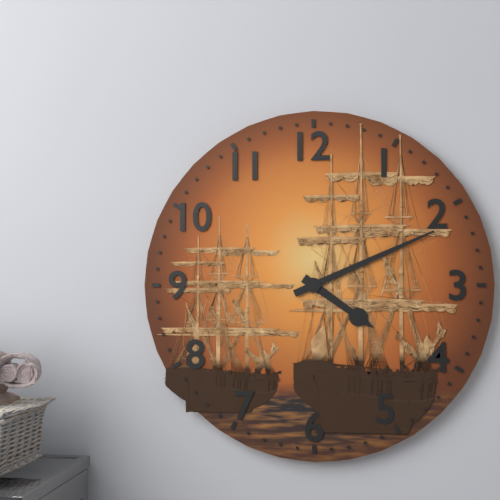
4:11
